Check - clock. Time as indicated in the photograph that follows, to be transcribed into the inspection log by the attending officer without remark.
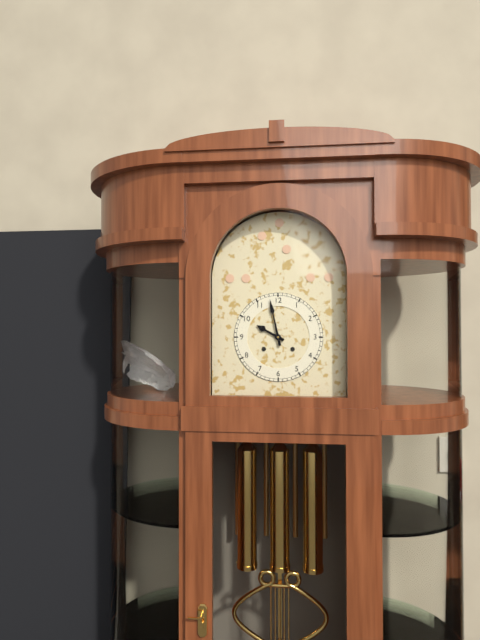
9:58
